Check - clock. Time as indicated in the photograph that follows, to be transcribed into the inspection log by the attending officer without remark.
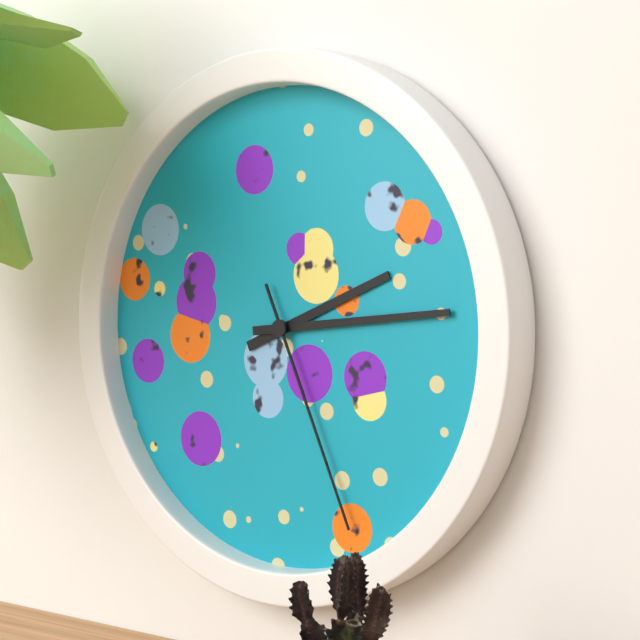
2:14:26
